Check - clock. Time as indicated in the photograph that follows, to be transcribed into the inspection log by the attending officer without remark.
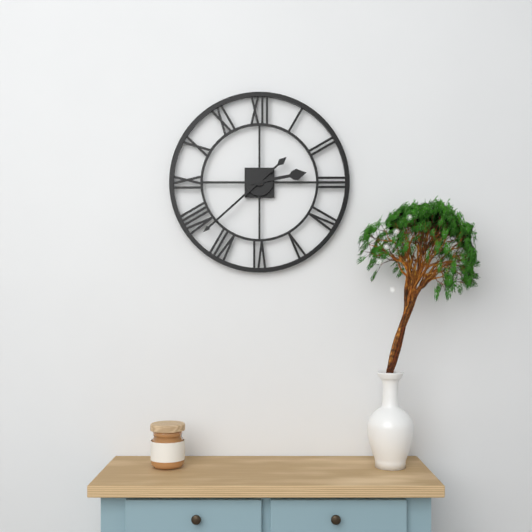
2:38
